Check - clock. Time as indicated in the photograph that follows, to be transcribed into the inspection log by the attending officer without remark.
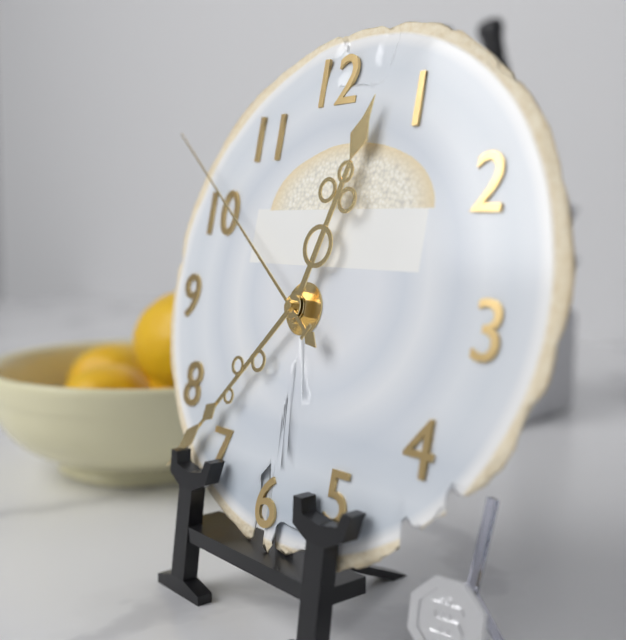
12:37:51
